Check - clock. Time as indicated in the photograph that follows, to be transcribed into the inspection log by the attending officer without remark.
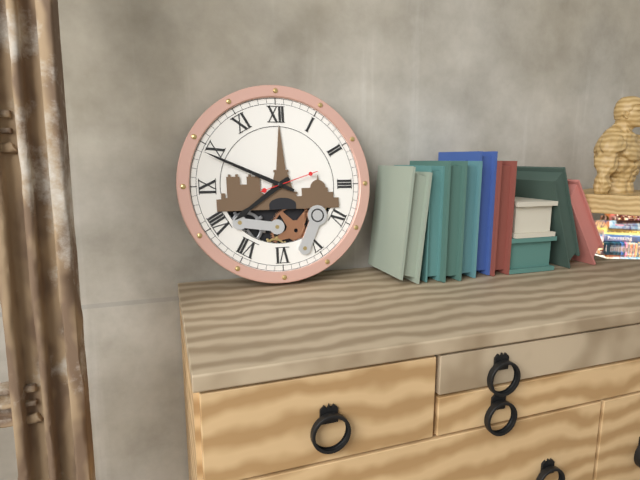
7:49:12
